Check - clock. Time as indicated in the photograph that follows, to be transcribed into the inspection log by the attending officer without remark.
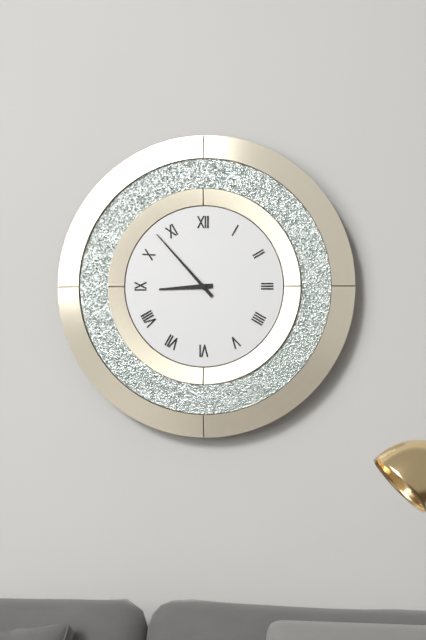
8:53
